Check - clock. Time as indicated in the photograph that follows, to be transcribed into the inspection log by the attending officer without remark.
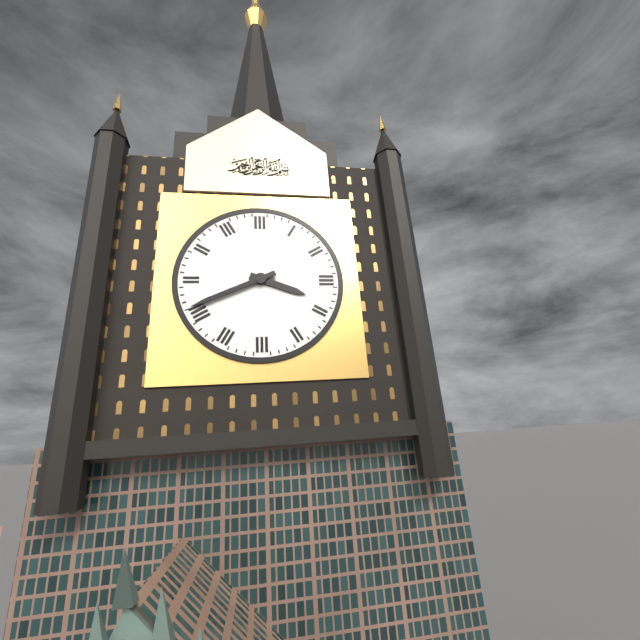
3:41
